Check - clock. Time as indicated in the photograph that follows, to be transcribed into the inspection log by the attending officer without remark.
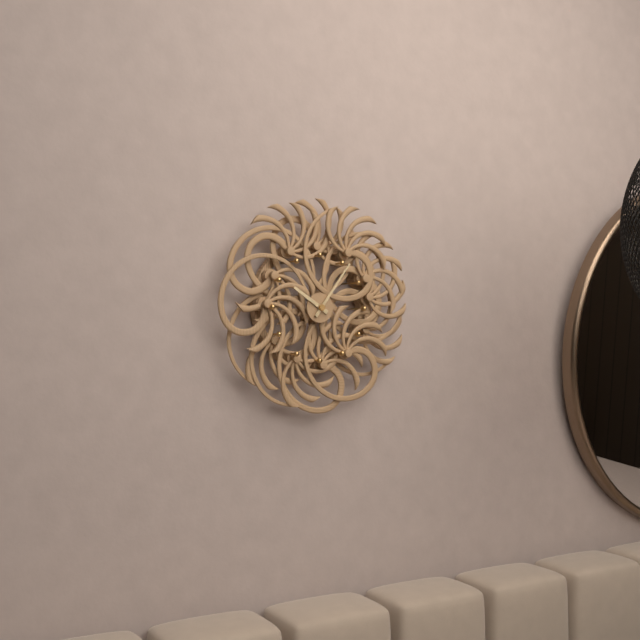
10:06
